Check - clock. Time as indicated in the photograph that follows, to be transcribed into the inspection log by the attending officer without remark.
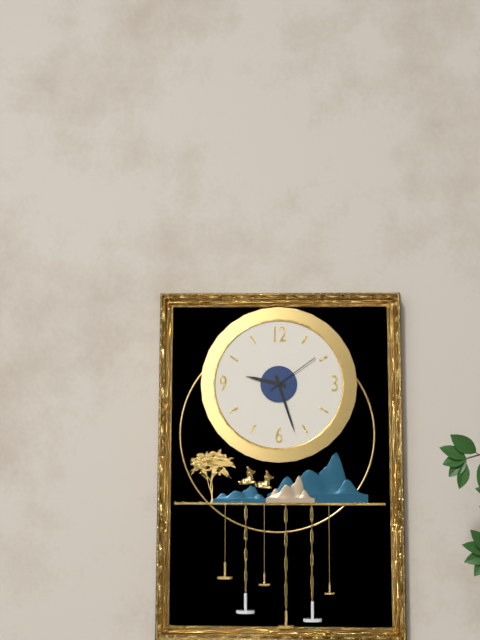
9:27:09
